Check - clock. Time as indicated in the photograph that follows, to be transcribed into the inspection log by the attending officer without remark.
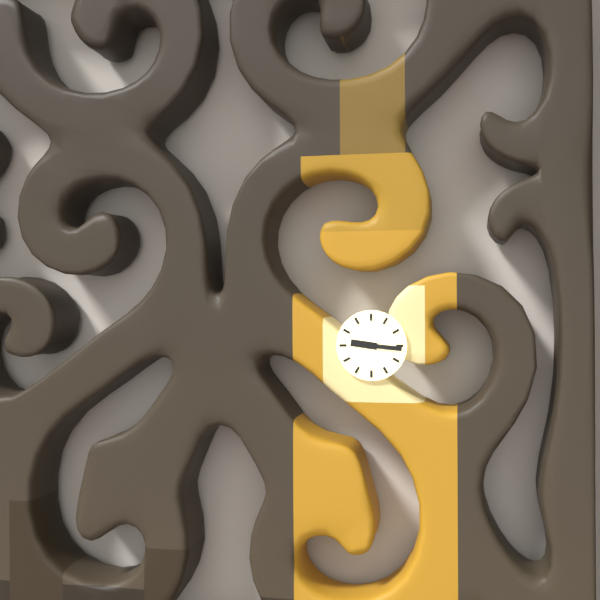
9:16
